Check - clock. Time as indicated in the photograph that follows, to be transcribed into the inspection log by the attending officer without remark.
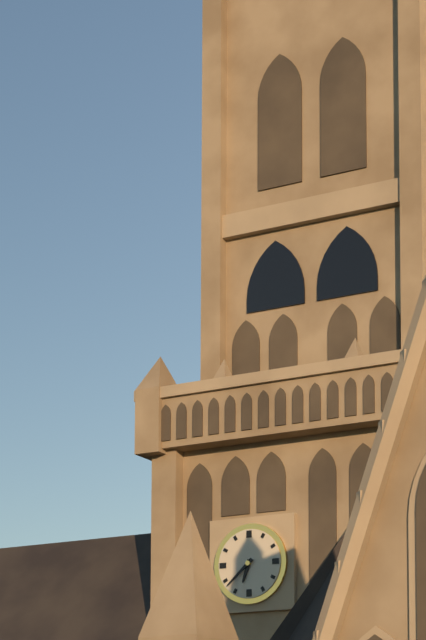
6:38
